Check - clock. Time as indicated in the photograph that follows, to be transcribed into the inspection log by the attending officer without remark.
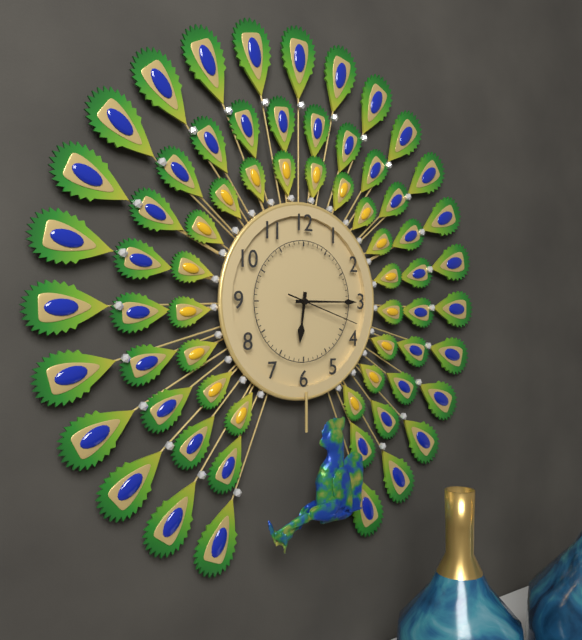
6:15:18
